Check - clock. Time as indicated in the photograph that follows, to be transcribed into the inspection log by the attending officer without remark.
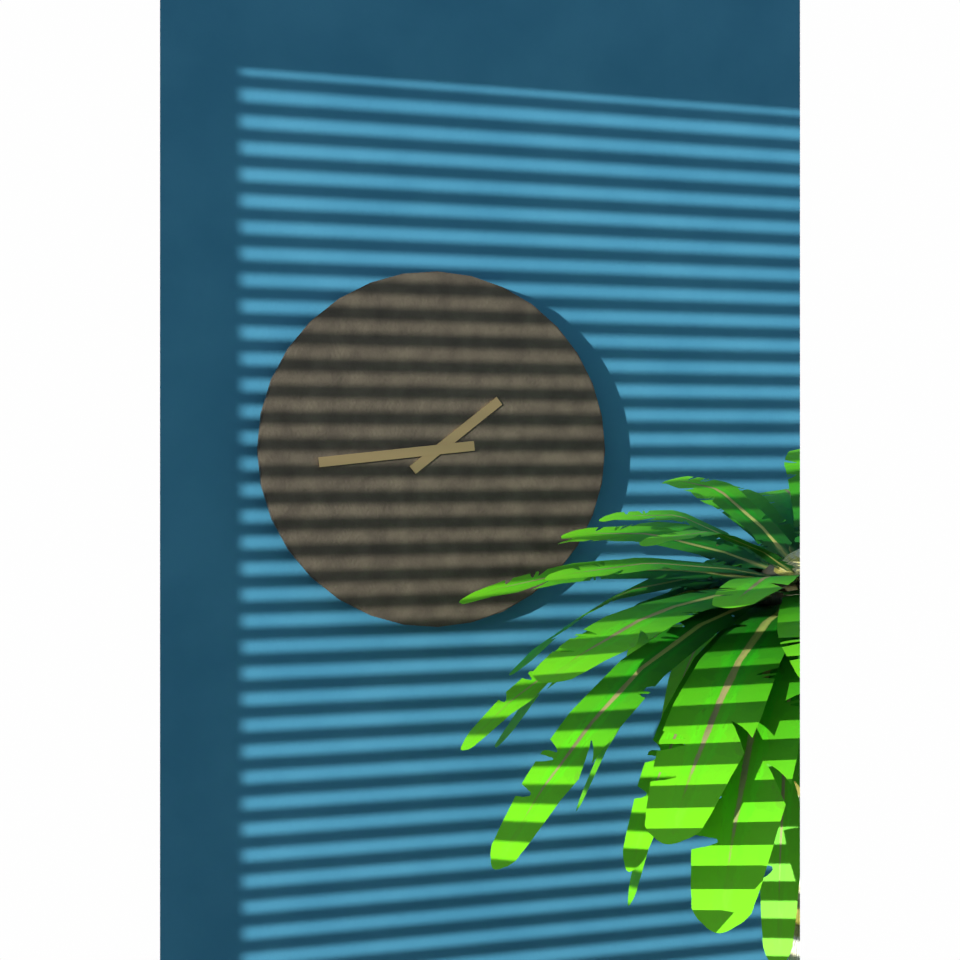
1:44
